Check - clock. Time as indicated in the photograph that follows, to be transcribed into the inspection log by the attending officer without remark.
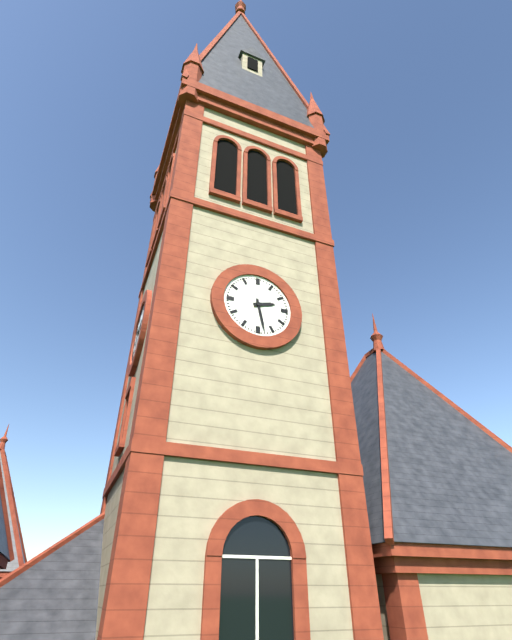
2:28
